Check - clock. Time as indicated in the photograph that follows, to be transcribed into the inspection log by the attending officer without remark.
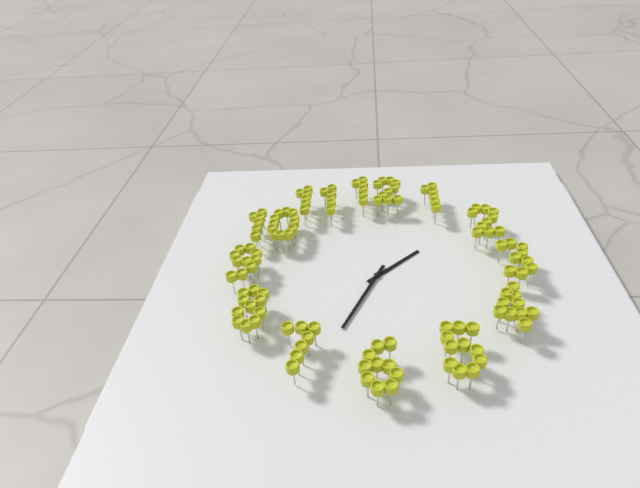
1:34
